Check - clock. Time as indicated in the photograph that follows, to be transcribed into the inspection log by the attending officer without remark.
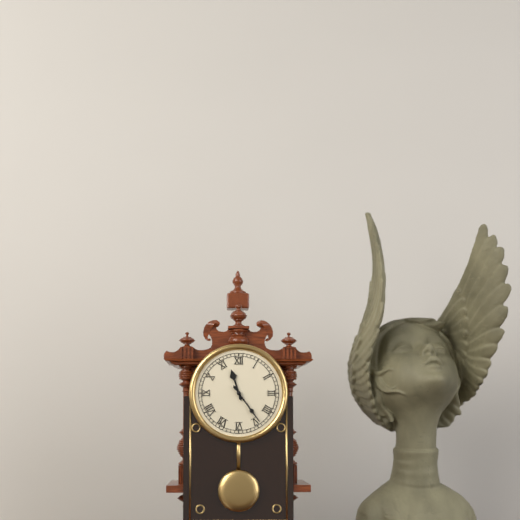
11:24
